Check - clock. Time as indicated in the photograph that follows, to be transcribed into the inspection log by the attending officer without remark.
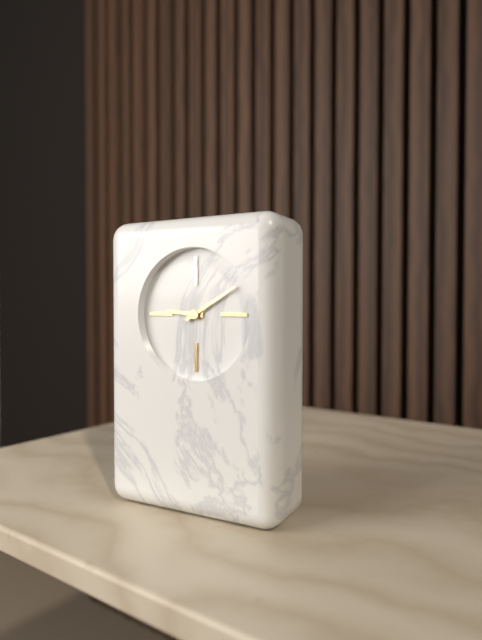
9:10
